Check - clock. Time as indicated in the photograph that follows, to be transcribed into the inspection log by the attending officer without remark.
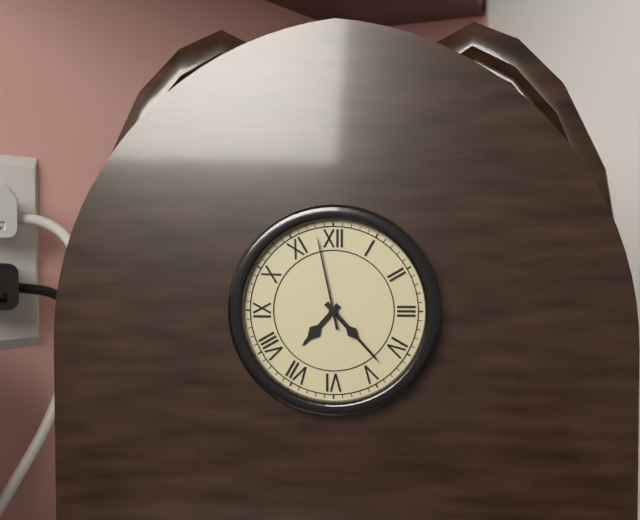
7:23:58
